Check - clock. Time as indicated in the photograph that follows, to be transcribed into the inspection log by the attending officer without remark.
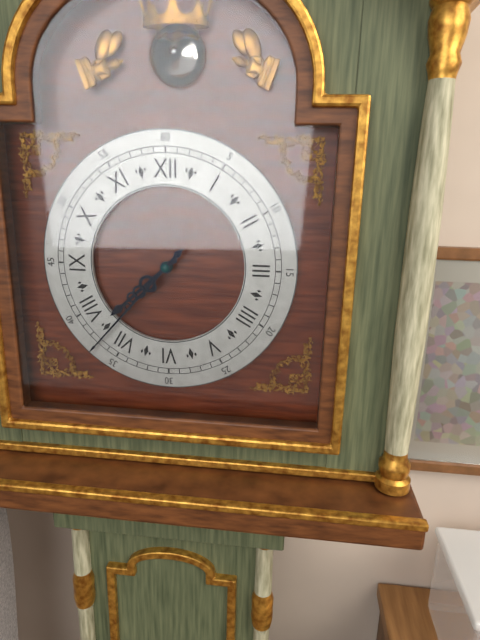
7:37
